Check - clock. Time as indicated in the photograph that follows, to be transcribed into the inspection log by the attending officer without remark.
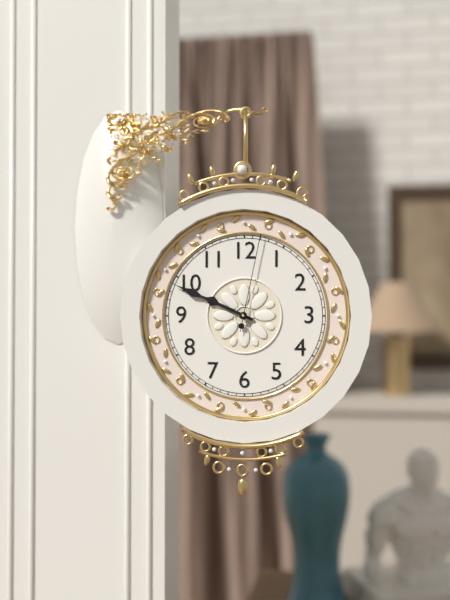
9:49:02
